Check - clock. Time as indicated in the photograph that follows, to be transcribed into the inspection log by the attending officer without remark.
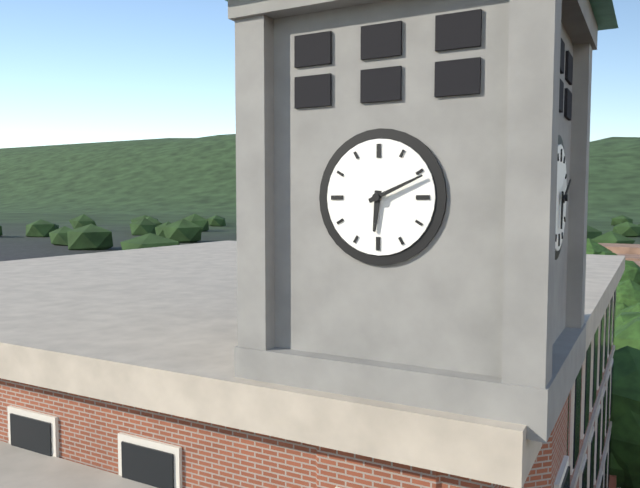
6:11
